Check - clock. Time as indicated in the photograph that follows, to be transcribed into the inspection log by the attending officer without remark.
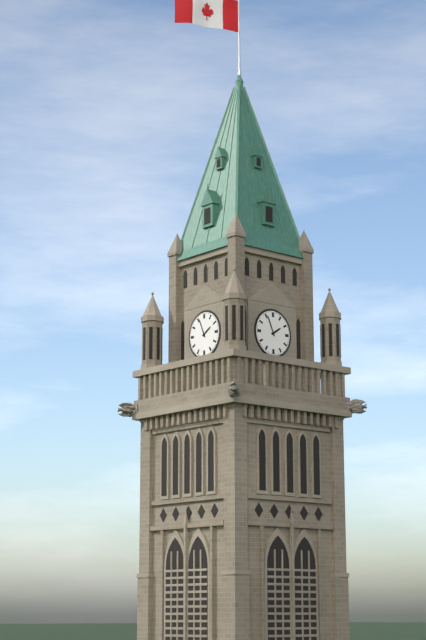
1:56
